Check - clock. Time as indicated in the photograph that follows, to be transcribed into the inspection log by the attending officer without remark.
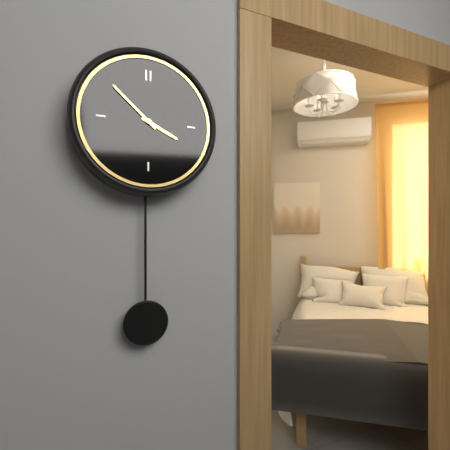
3:52
